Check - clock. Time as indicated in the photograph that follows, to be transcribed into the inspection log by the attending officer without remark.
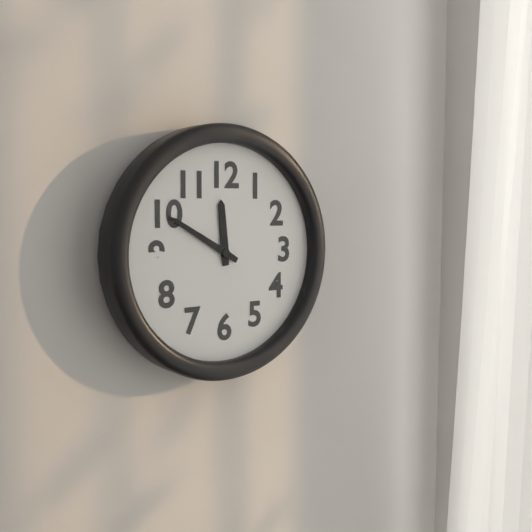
11:50
